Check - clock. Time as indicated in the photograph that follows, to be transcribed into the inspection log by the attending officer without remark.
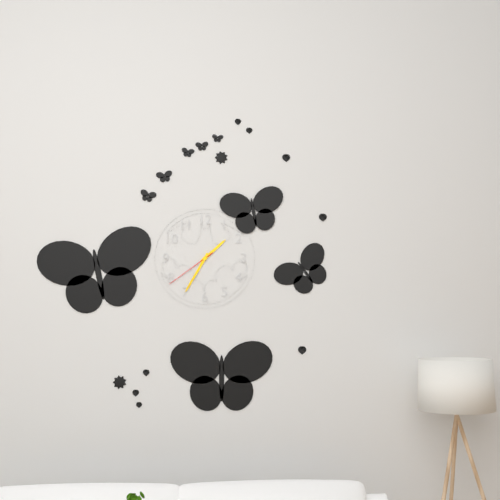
1:35:39
